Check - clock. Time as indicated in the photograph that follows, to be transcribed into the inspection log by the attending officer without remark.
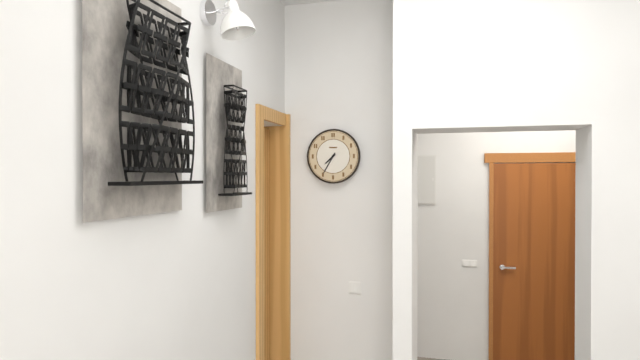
7:35
